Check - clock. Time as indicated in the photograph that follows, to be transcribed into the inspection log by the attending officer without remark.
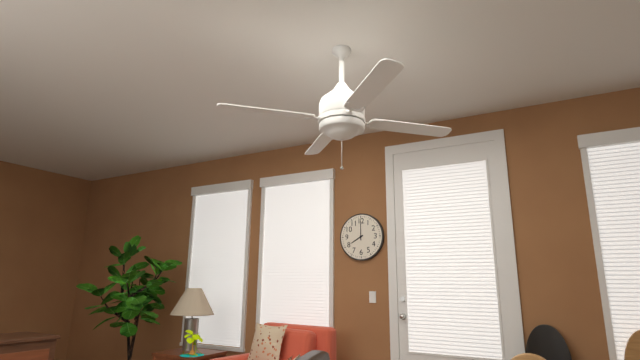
8:00
